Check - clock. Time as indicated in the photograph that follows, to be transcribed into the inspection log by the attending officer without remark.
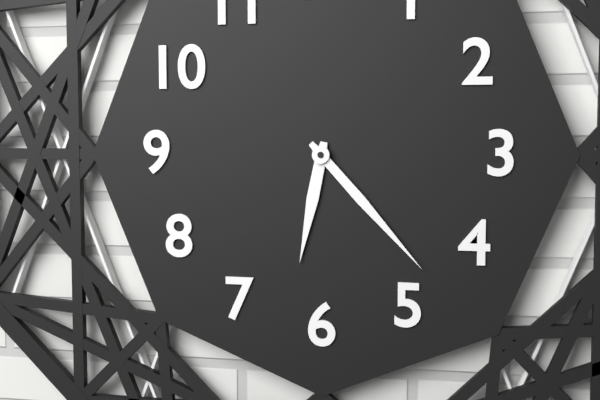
6:23
